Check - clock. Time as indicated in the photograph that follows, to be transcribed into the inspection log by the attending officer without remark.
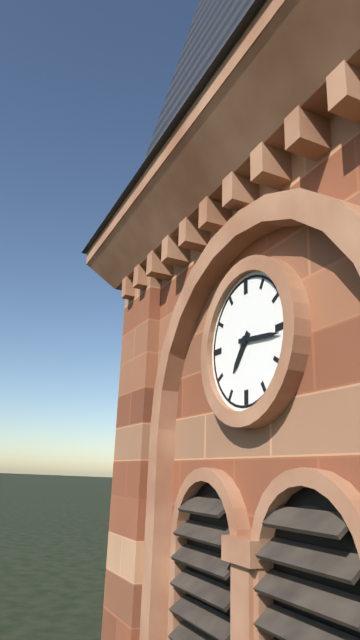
7:16
